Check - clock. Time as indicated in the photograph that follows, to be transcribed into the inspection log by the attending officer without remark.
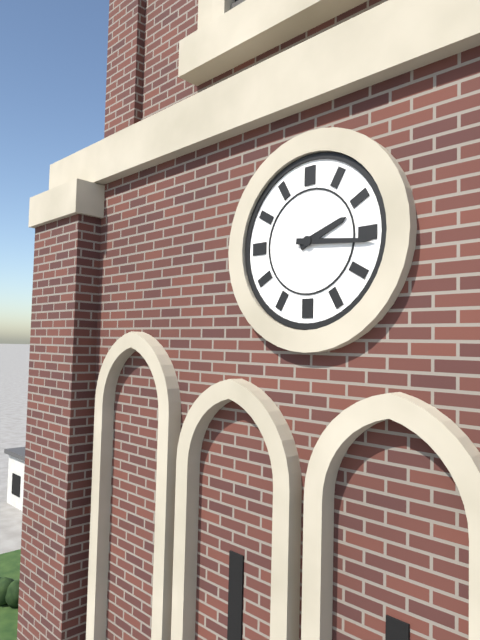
2:16
